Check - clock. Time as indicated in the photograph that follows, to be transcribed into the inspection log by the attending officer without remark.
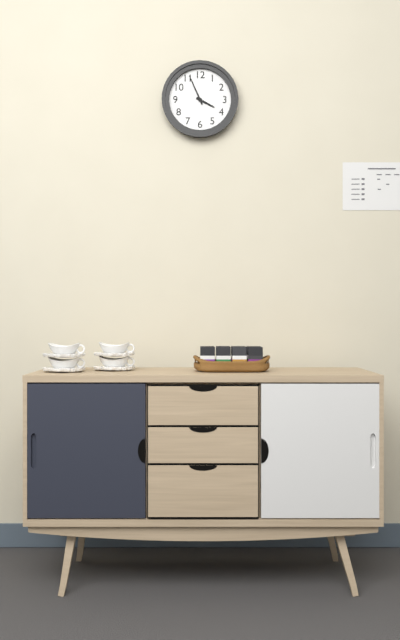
3:56
